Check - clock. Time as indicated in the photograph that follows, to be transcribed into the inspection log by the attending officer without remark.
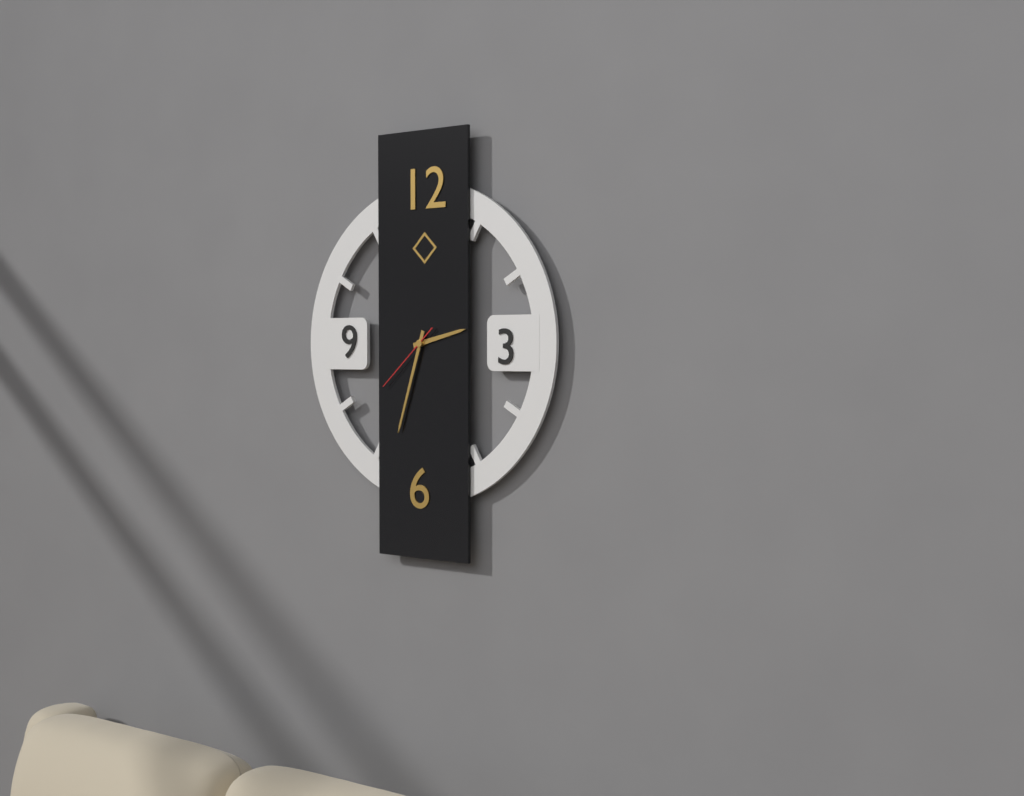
2:33:38
